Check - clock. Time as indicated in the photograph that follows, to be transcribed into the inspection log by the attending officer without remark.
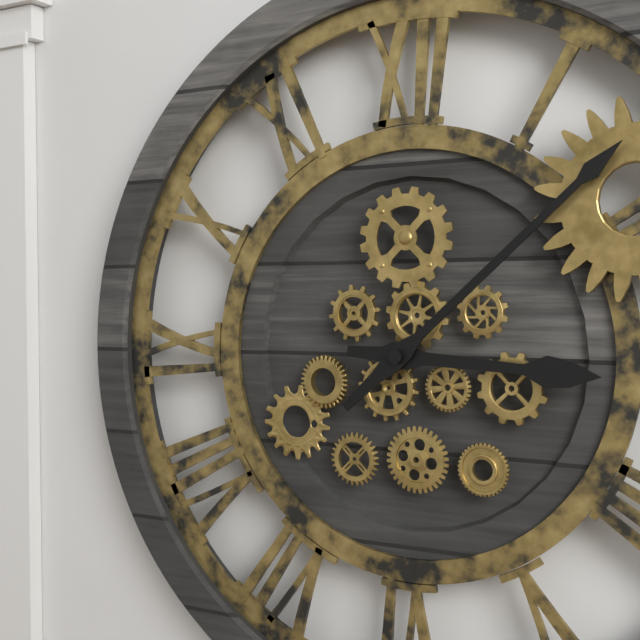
3:08
